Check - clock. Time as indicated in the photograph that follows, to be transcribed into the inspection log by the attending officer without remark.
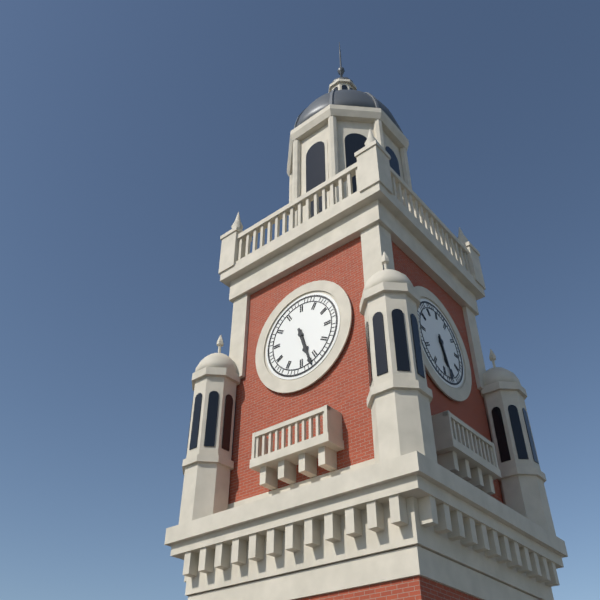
5:27
